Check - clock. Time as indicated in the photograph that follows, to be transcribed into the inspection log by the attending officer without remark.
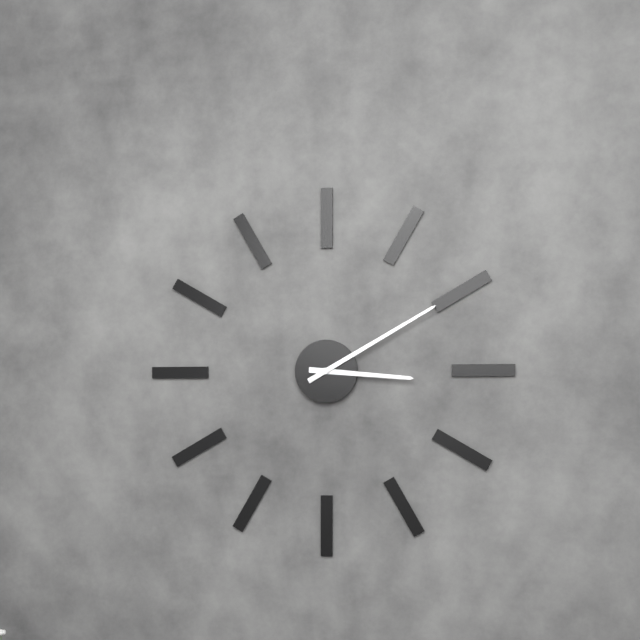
3:10
